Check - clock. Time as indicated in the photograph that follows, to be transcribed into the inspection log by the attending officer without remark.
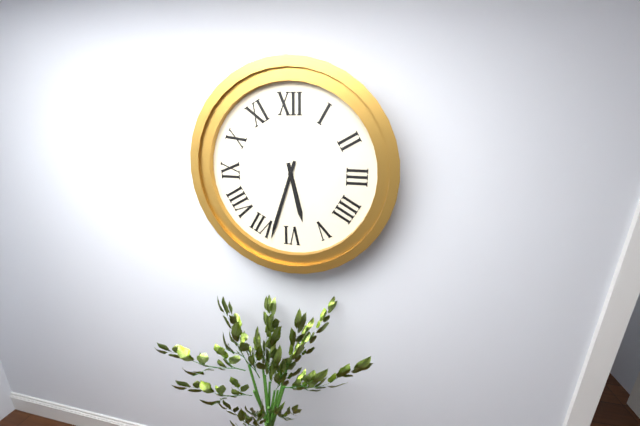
5:33
